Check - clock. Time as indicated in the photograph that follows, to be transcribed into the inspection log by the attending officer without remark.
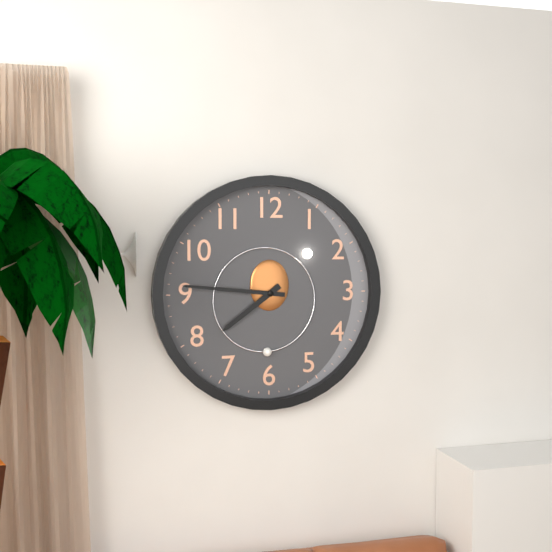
7:46
